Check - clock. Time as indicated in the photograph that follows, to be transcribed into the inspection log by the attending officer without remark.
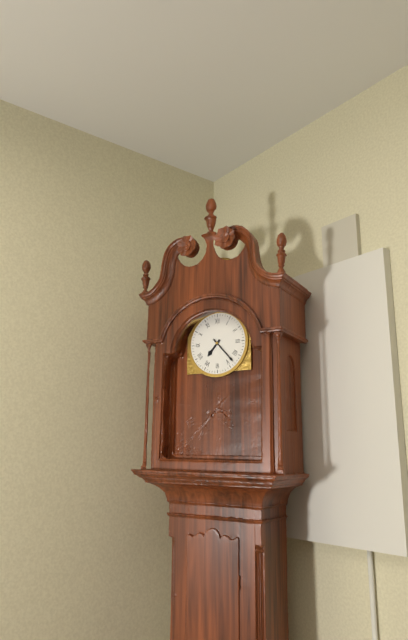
7:23
